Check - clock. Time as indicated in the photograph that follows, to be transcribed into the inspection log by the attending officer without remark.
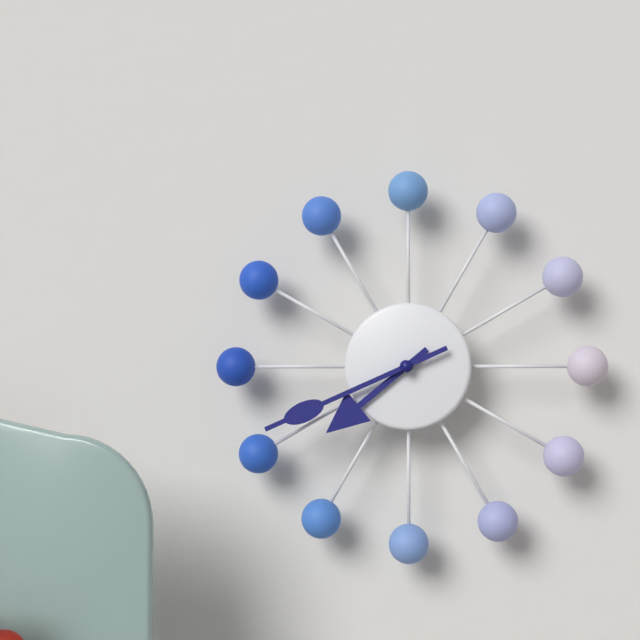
7:41
